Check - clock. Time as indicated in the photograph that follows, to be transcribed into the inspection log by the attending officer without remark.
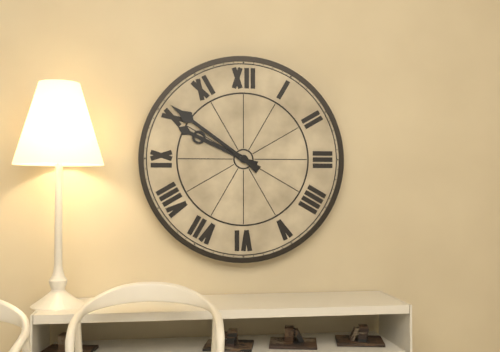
9:51
